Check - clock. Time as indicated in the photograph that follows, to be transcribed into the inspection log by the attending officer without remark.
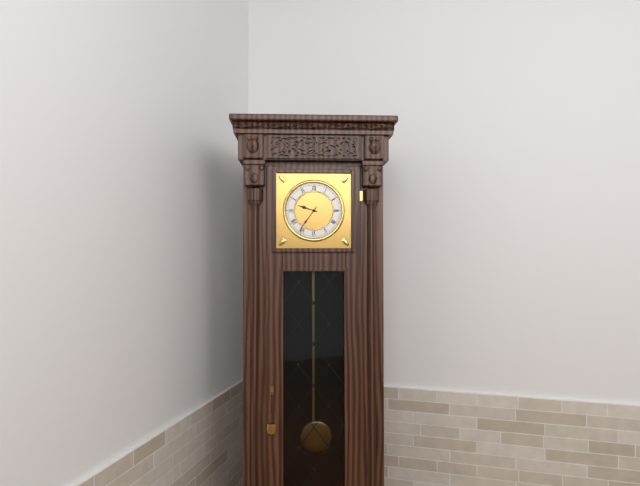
9:36
